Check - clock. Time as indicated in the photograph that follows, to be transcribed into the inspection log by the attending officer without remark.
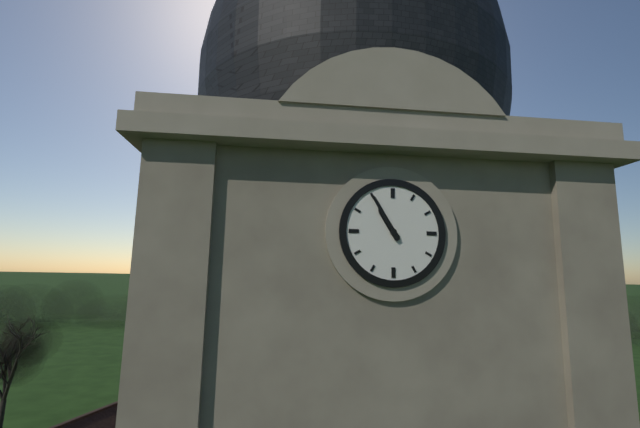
10:55
